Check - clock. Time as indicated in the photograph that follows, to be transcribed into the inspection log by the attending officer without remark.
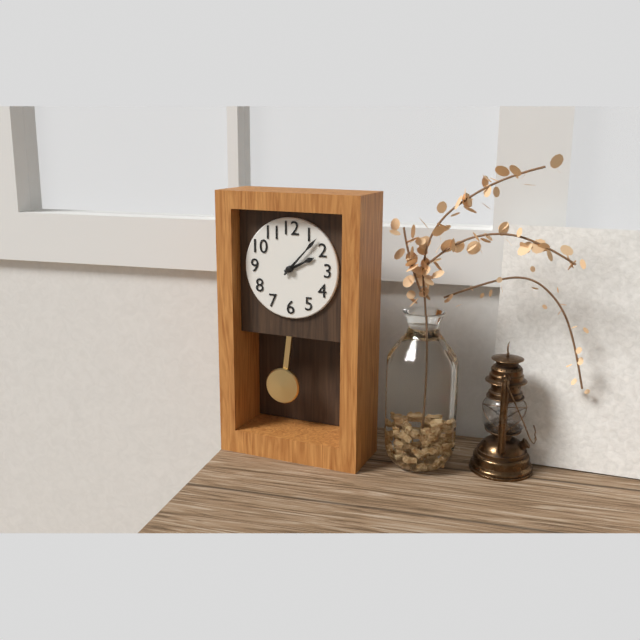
2:07
